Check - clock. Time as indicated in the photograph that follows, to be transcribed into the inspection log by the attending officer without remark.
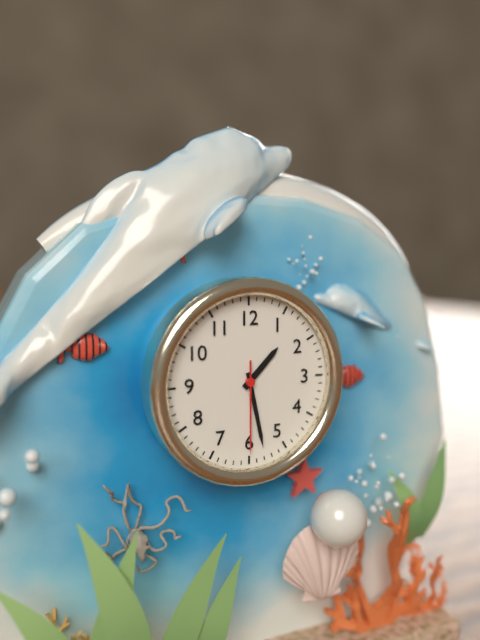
1:28:30
